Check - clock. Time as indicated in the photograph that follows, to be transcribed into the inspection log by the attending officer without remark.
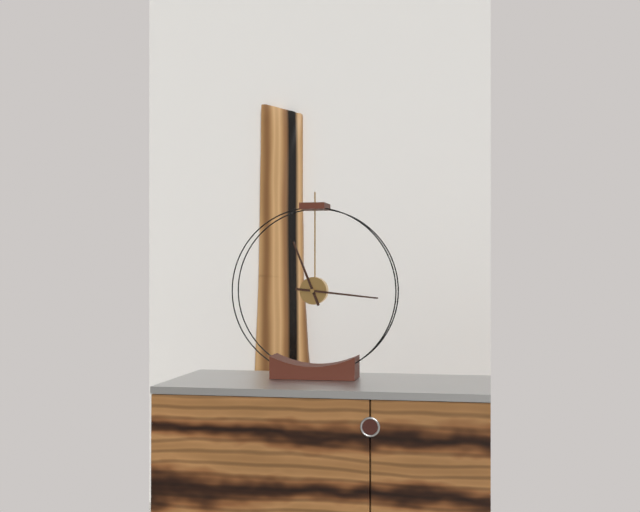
11:16
